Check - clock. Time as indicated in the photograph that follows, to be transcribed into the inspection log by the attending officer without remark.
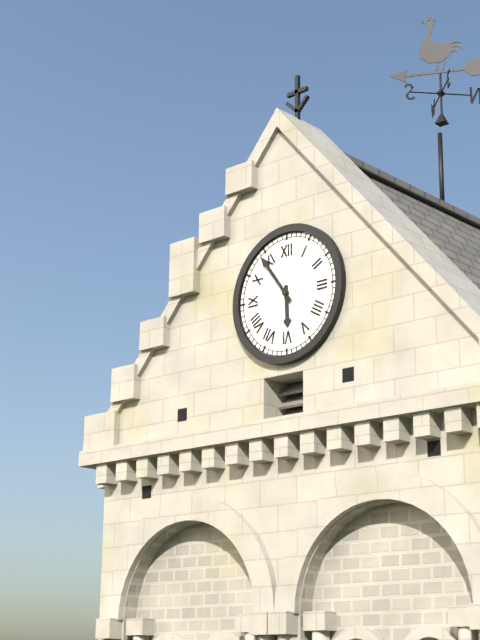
5:54
